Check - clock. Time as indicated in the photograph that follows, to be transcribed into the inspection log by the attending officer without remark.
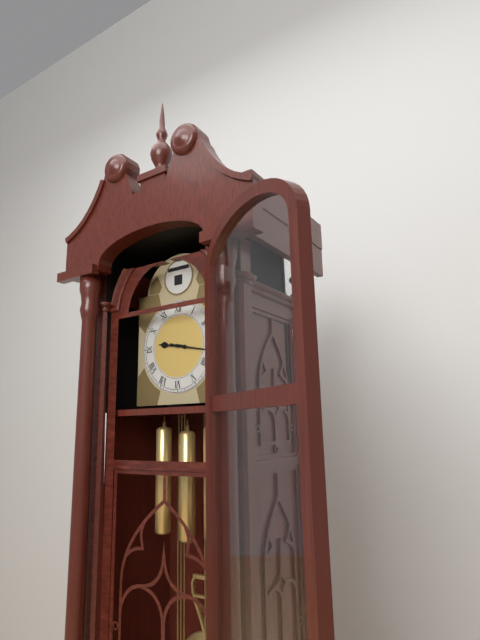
9:17
